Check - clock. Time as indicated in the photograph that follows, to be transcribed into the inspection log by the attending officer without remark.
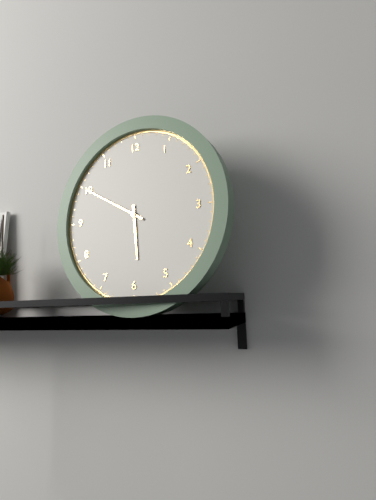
5:50
